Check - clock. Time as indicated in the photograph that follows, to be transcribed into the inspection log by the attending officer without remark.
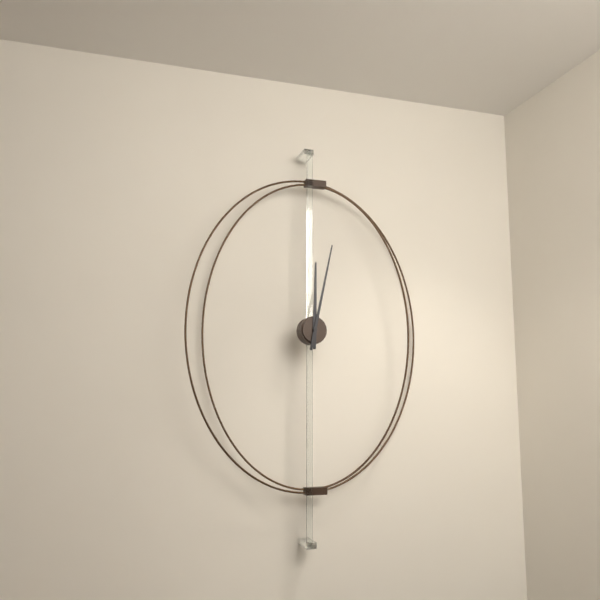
12:02
